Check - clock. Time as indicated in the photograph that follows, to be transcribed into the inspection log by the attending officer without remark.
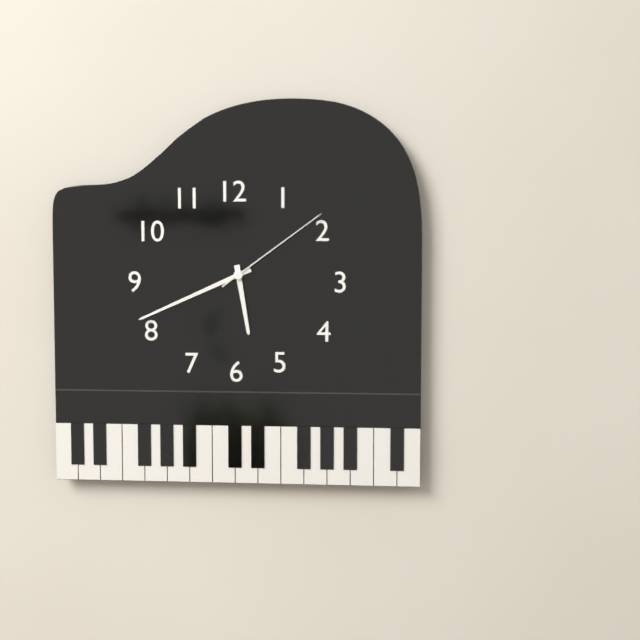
5:41:09
